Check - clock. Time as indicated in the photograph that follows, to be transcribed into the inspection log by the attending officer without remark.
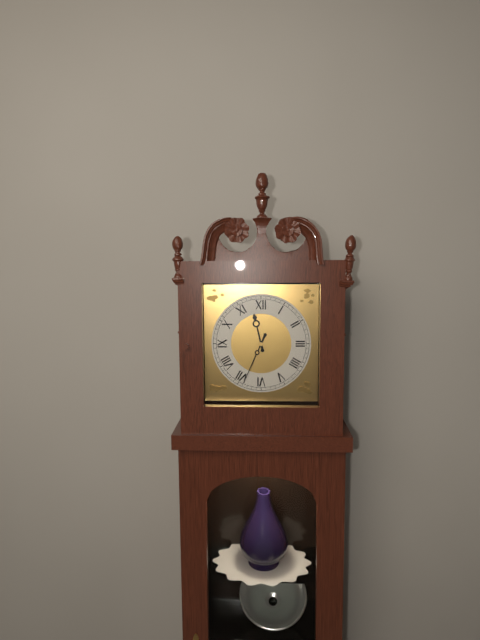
11:34
